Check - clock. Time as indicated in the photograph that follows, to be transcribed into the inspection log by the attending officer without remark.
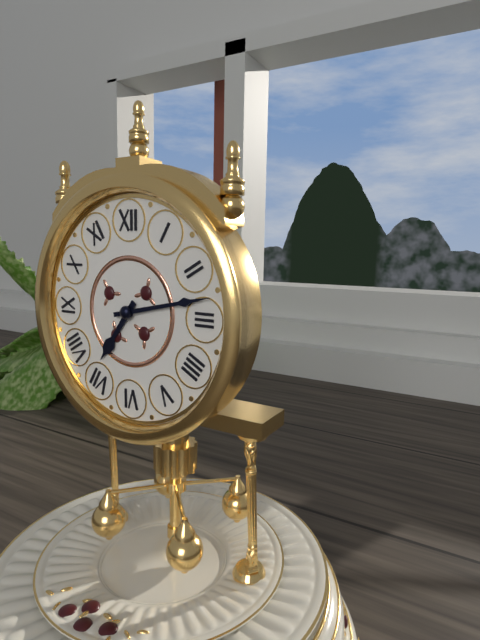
7:13
